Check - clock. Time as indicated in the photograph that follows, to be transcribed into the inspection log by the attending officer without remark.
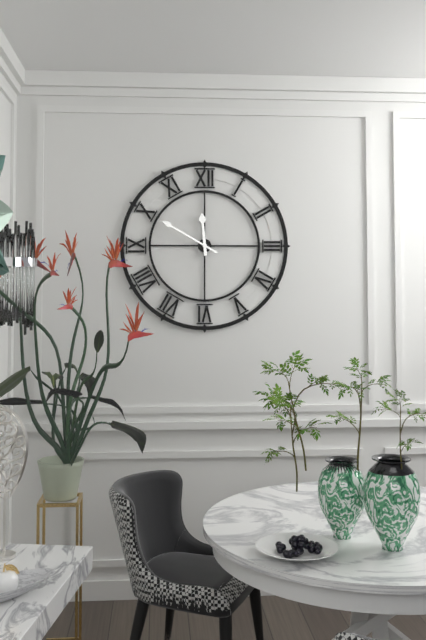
11:50
